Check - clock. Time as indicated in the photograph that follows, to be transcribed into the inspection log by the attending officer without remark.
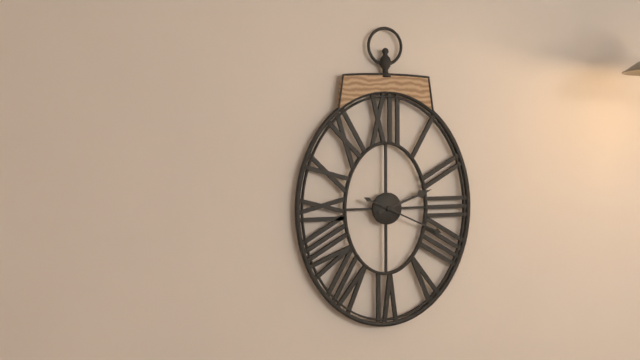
2:19
